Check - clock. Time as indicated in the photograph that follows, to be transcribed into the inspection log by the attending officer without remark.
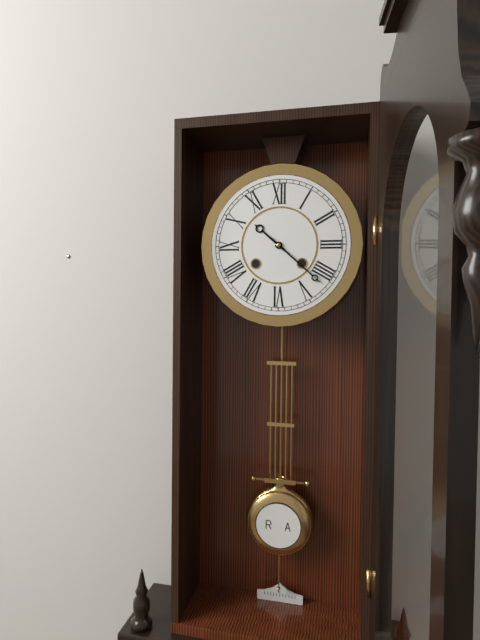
10:22
